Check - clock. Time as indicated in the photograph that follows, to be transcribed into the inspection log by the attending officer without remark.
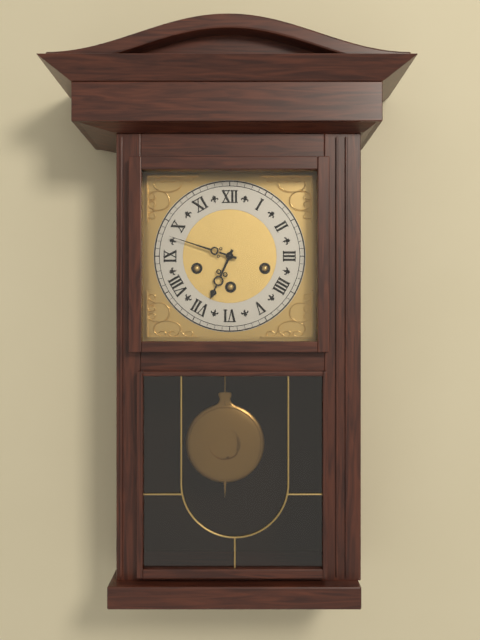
6:48
